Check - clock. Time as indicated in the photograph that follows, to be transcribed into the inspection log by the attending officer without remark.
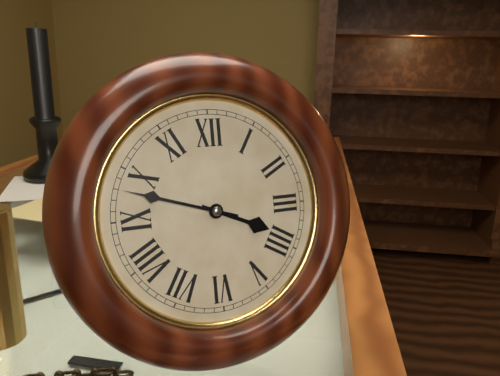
3:48
